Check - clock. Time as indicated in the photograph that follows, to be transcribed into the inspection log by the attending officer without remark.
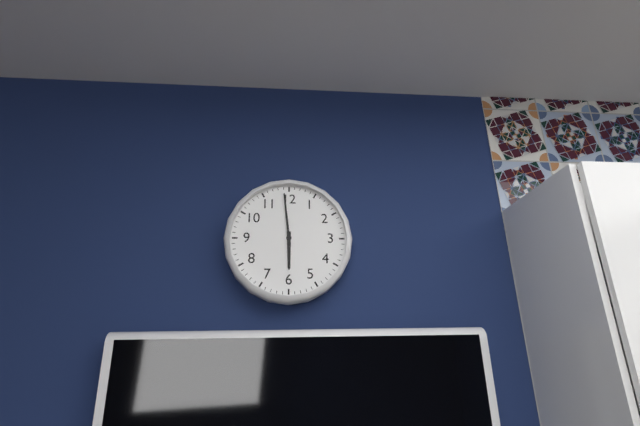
5:59
